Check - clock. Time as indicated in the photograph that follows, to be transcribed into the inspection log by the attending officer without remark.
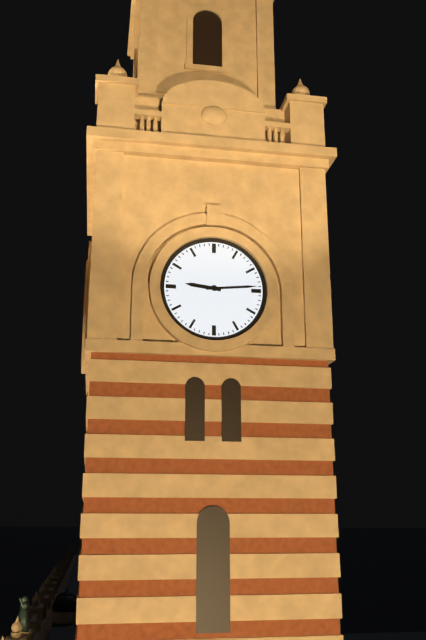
9:14
